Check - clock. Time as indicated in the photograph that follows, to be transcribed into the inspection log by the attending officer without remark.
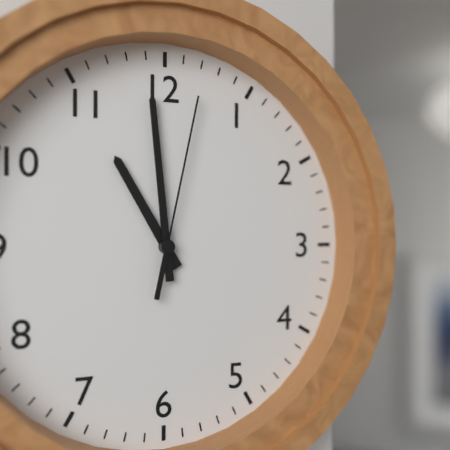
10:59:02
